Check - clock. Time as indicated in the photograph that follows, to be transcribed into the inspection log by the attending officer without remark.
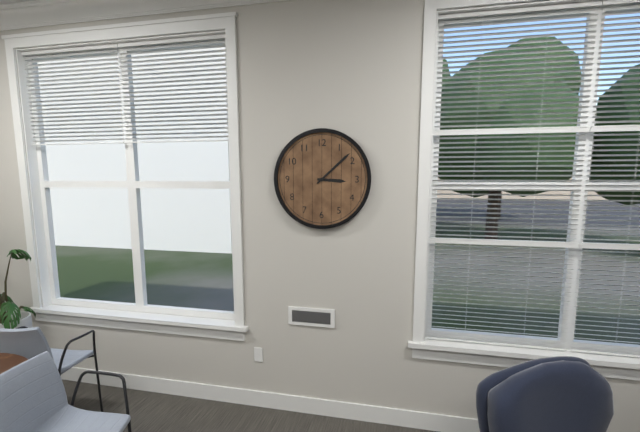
3:08
